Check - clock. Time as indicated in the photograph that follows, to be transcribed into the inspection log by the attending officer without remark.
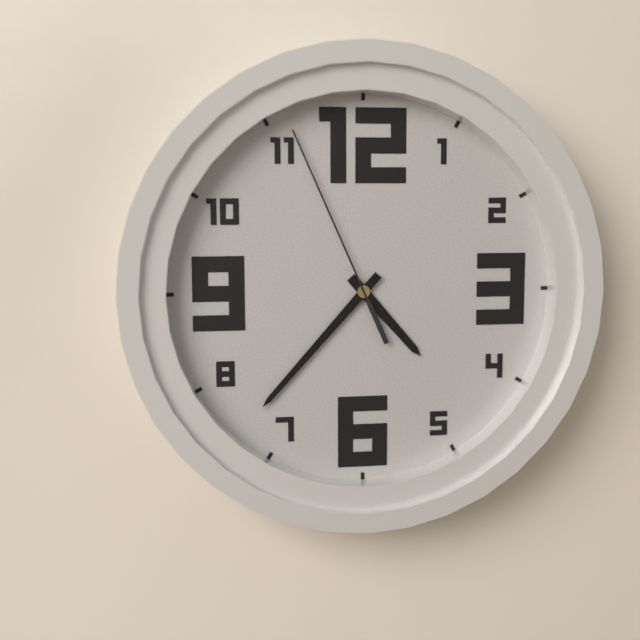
4:37:56
